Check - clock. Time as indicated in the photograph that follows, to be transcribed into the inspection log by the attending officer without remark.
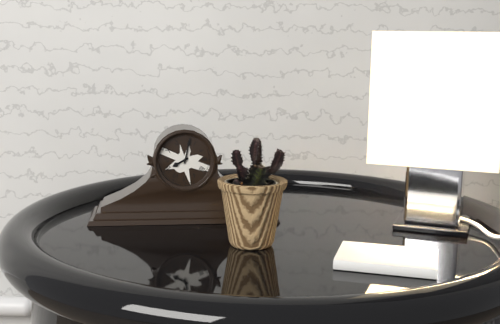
8:02
